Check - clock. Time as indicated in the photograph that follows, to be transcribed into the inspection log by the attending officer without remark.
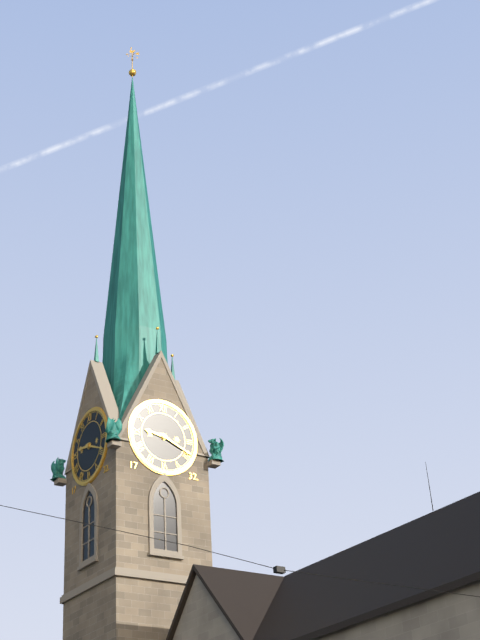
9:19
